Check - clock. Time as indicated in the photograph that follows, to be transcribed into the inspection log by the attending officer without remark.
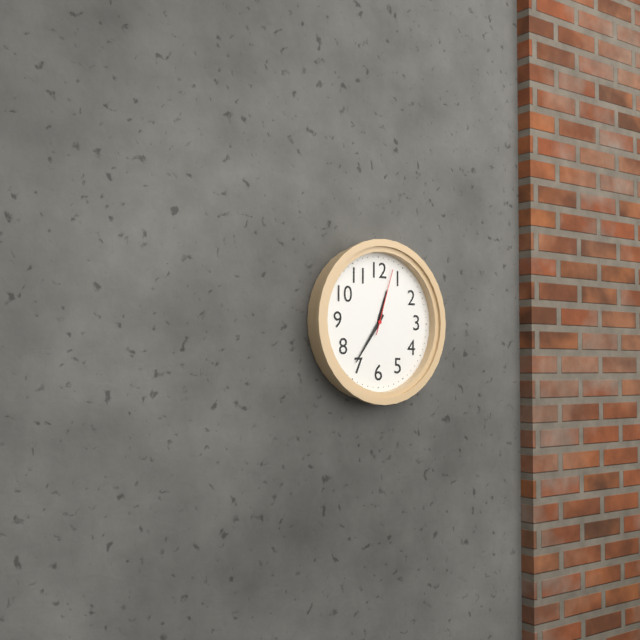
12:36:03
